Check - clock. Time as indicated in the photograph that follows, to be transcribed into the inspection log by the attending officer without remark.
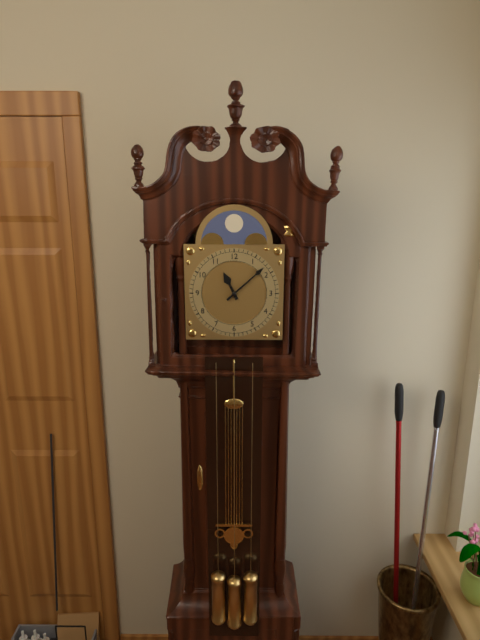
11:08
